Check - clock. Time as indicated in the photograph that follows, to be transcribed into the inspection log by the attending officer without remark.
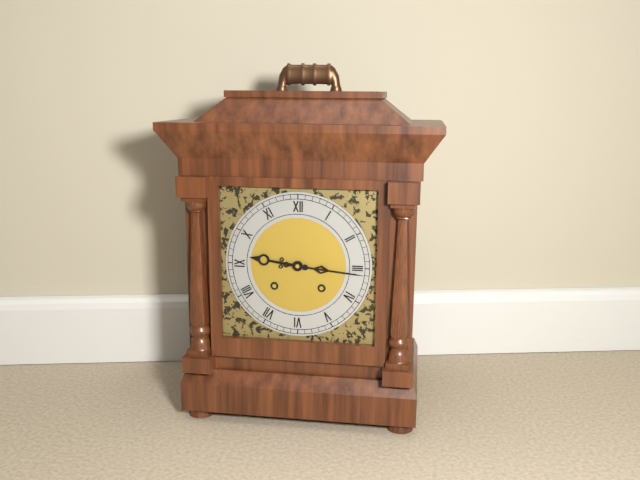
9:16
